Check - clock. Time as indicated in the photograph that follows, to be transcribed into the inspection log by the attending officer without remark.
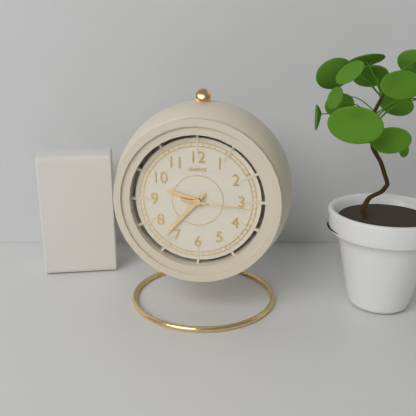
9:37:16
